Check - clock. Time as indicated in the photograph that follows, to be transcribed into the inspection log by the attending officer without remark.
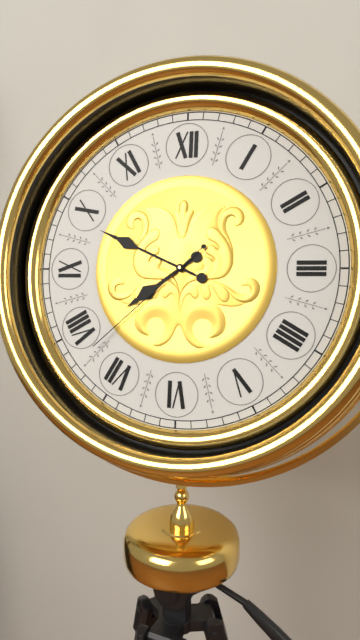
7:49:38
